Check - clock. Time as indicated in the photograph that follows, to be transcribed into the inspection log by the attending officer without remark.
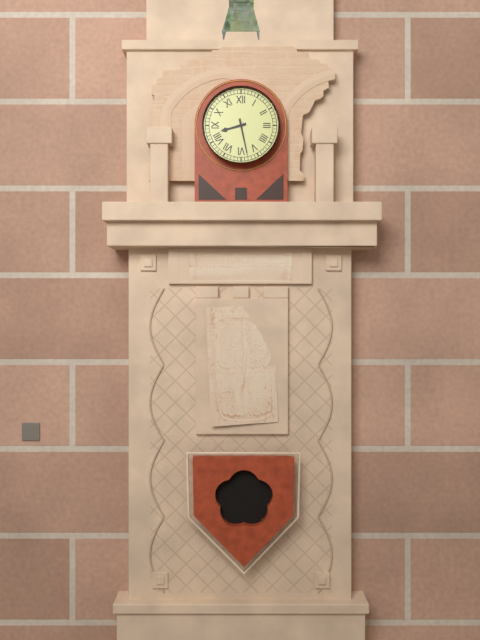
8:28
